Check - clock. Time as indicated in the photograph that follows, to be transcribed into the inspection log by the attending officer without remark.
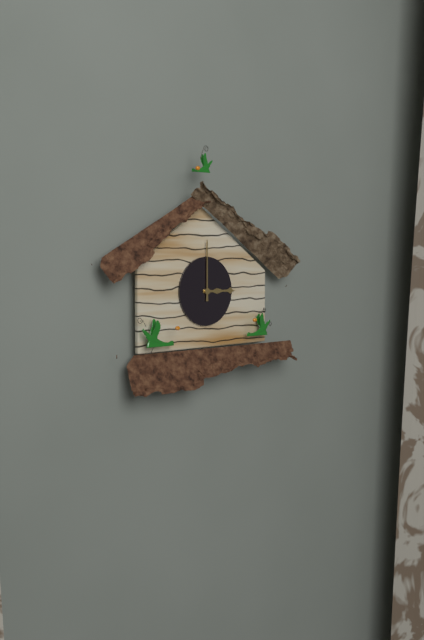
3:00
